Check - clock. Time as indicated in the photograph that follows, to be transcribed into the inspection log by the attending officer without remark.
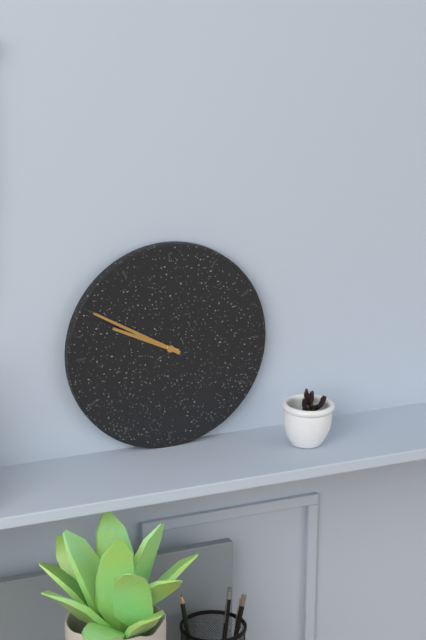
9:50
